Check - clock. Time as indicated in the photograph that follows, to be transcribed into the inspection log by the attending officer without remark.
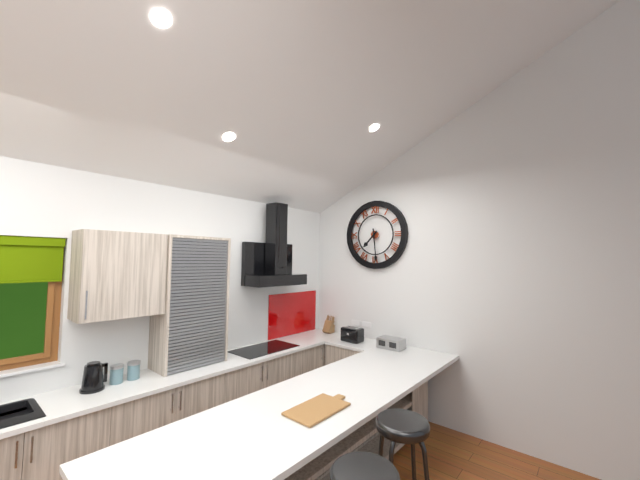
7:29
